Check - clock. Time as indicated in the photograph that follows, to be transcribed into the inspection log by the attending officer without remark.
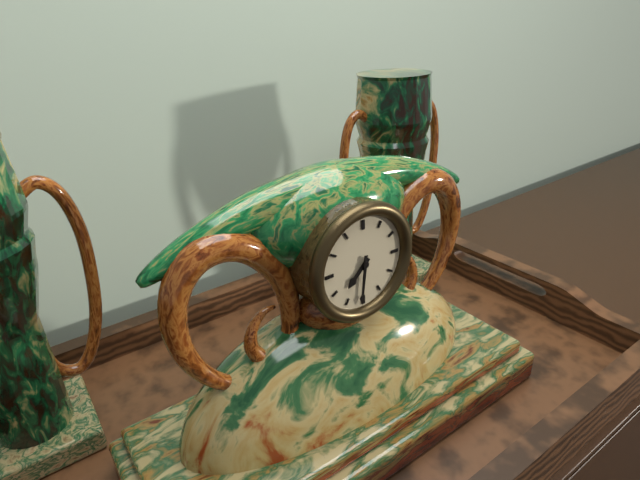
7:31
